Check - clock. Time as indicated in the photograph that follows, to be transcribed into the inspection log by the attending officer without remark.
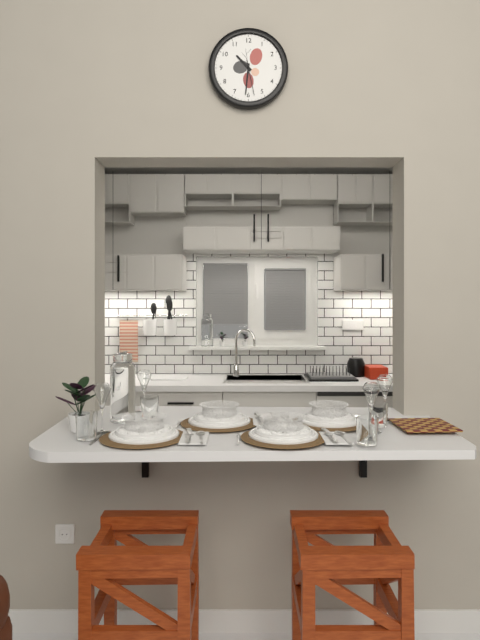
10:31
